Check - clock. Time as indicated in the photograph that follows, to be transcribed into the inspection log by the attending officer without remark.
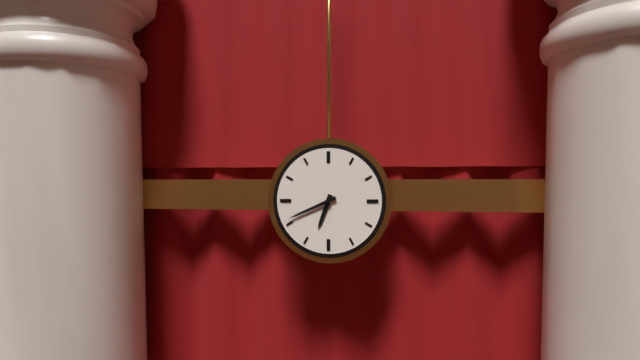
6:41
